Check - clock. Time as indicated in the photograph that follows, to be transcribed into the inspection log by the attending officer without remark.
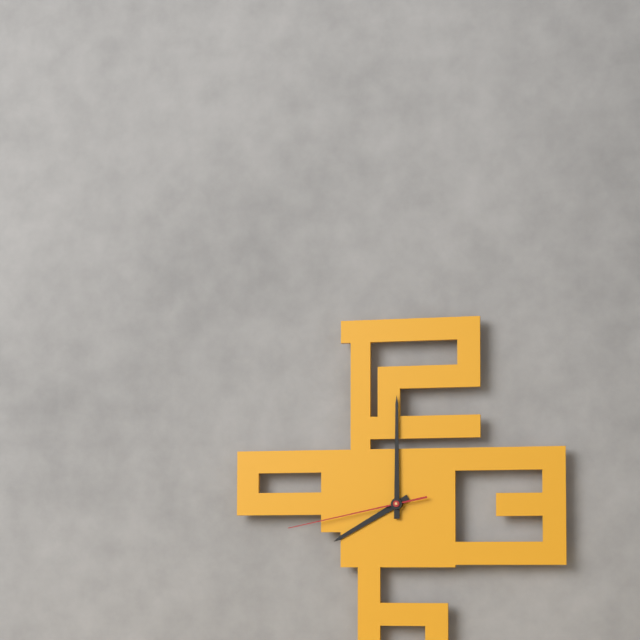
8:00:43
